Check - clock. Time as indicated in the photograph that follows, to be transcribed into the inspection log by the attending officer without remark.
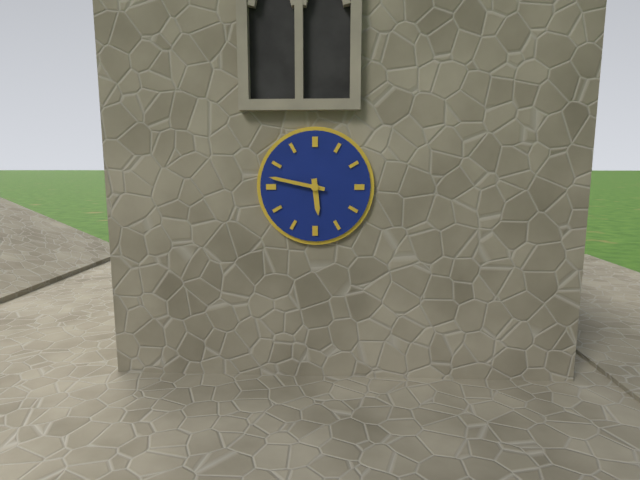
5:47
